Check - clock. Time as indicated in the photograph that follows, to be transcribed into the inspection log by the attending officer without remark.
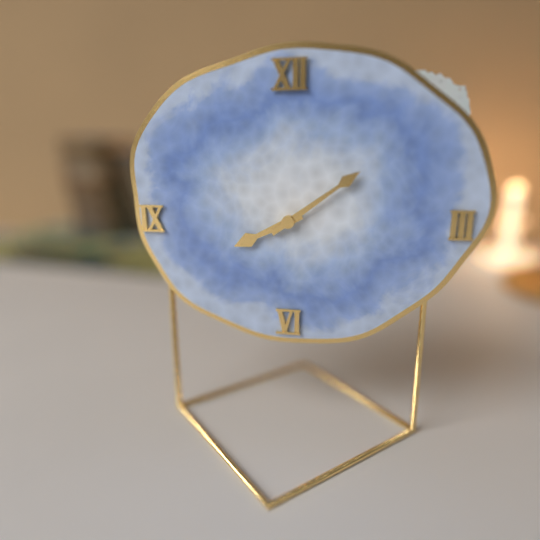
8:09
